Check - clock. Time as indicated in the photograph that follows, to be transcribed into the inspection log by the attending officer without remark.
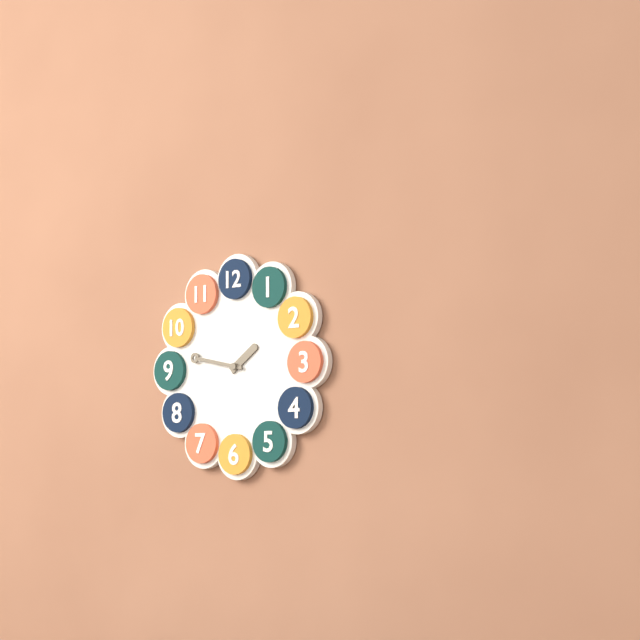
1:47
